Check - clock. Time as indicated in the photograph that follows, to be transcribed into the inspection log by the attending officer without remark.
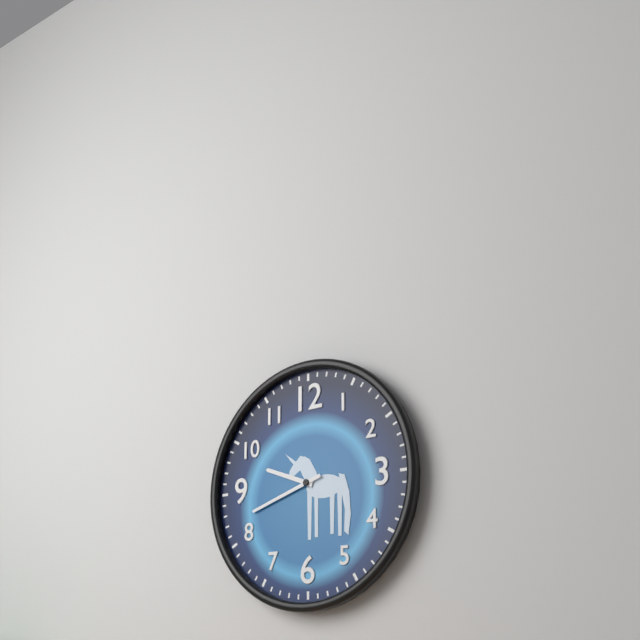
9:42
